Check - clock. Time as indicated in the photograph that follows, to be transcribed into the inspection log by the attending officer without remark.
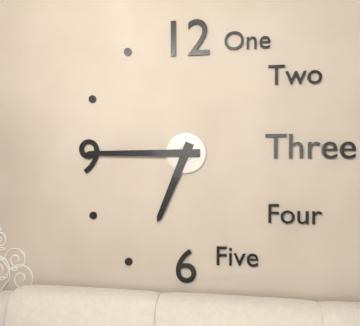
6:45
